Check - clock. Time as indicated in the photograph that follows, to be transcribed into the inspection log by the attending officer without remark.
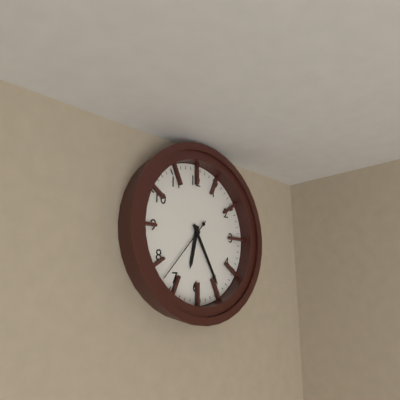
6:25:37
